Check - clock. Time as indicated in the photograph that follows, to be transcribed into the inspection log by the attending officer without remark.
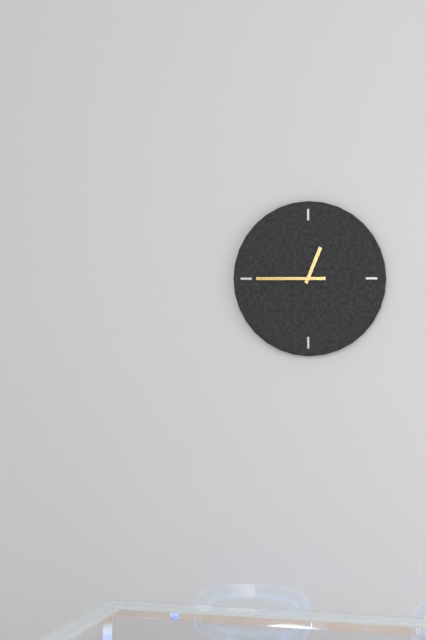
12:45
